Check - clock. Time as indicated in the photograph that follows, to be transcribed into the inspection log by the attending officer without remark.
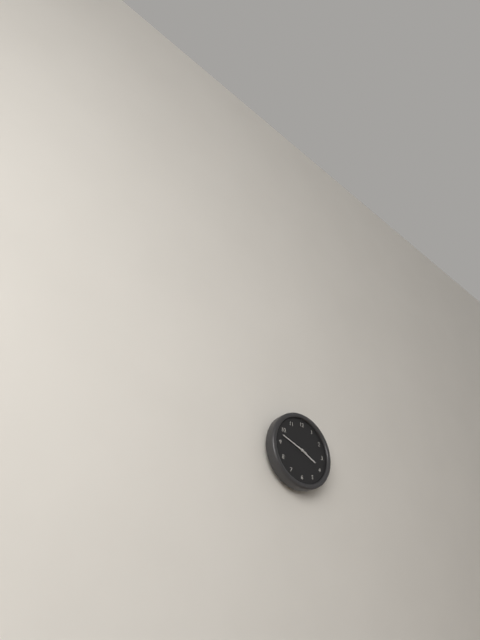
3:48
